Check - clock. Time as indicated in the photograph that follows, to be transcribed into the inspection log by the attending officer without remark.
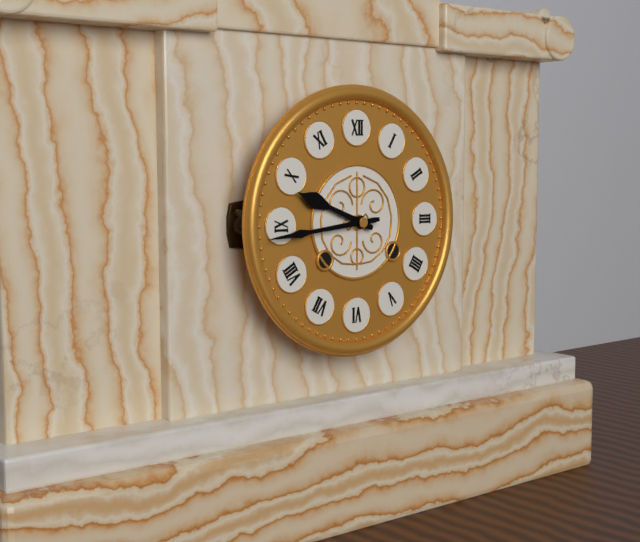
9:44
